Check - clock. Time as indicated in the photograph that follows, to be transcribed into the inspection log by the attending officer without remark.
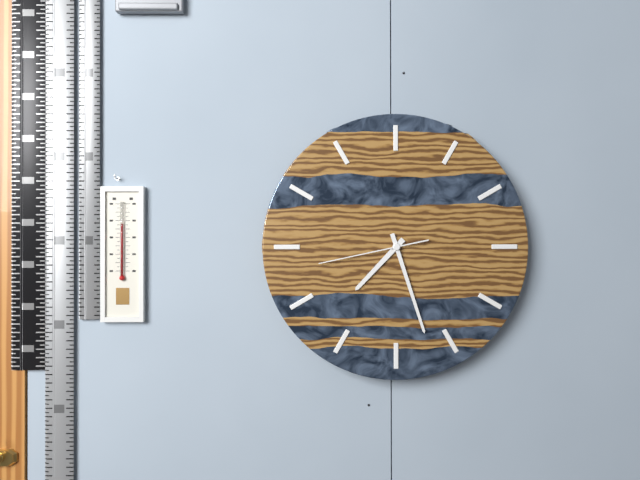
7:27:43
